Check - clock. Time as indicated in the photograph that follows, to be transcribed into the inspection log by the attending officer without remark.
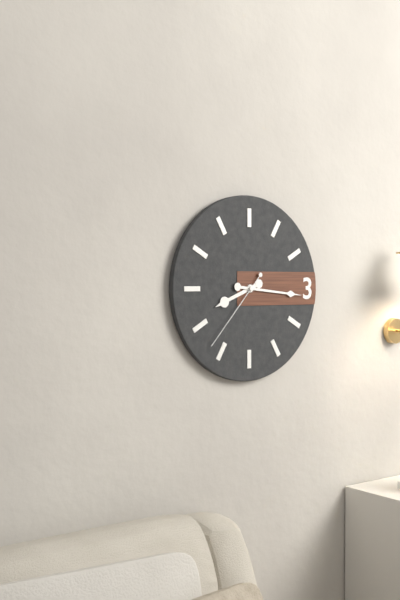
8:16:37
